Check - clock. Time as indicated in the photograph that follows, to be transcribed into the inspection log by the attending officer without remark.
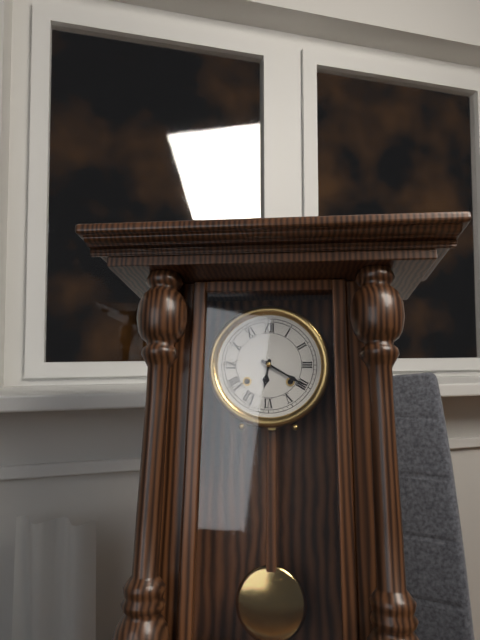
6:20
